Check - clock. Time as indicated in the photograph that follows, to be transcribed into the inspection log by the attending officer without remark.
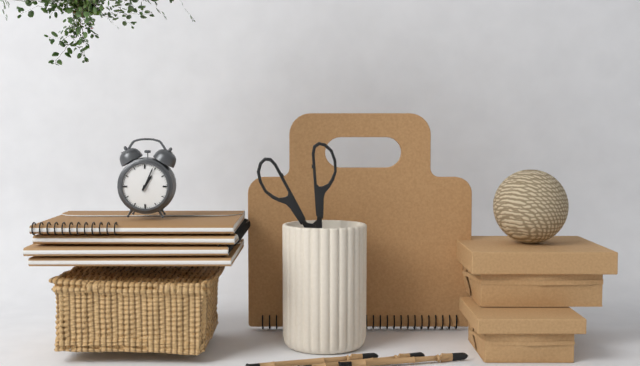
1:04
